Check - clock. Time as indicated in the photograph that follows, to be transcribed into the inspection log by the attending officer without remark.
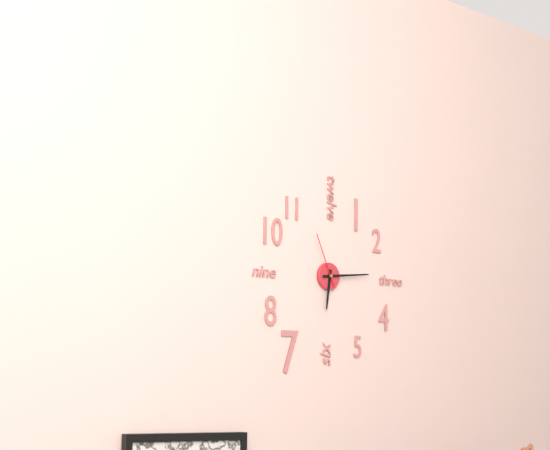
6:14:56
